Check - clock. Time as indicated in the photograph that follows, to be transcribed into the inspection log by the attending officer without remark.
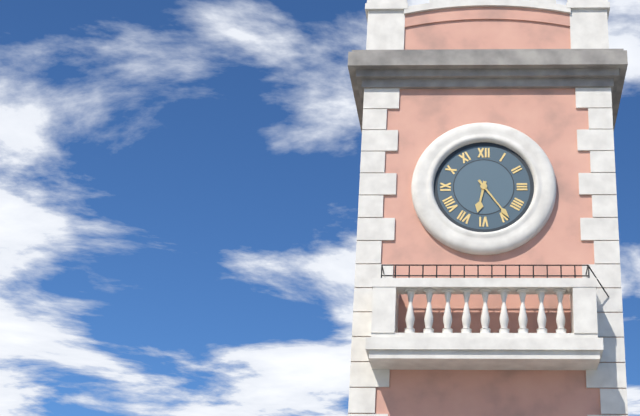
6:24
